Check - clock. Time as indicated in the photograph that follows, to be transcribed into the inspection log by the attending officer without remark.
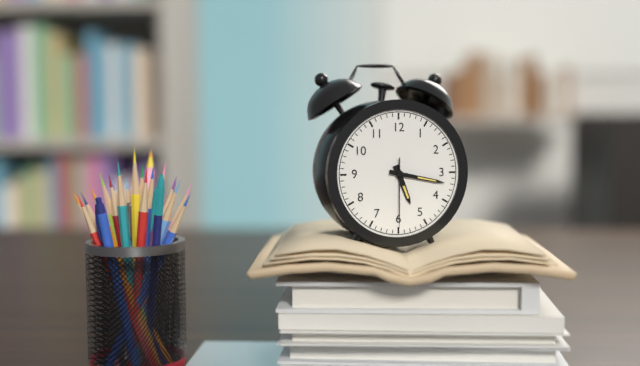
5:17:30
